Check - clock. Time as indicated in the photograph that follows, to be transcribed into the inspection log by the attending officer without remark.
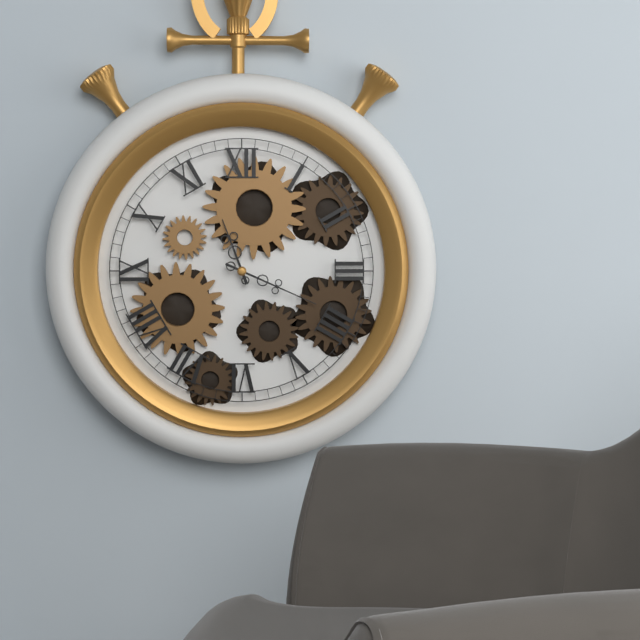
11:19
